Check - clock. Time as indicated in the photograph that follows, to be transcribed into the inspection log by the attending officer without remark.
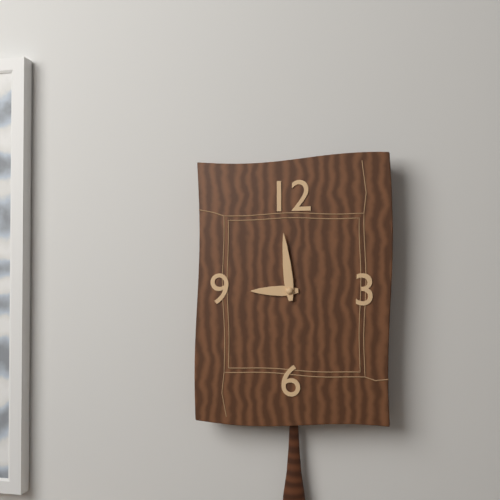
8:59
